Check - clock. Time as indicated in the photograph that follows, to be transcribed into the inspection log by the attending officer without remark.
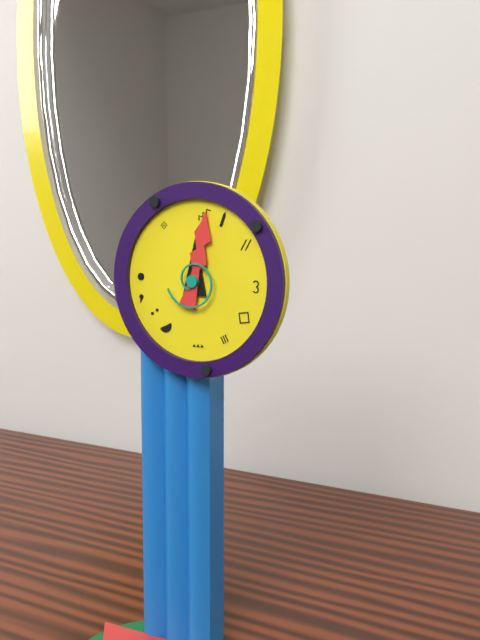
12:02
